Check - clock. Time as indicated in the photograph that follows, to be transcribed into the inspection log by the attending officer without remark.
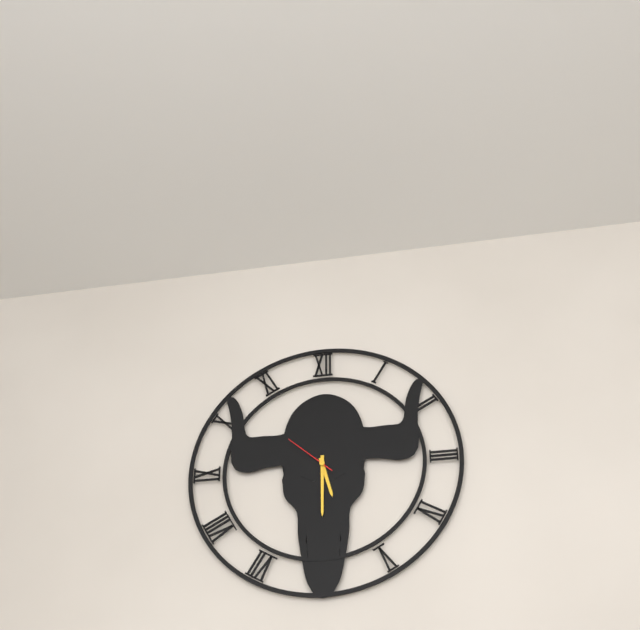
5:30:52
